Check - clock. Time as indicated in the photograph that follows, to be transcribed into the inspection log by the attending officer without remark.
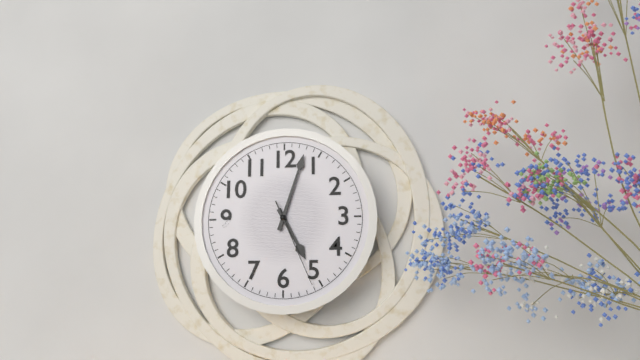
5:03:26
